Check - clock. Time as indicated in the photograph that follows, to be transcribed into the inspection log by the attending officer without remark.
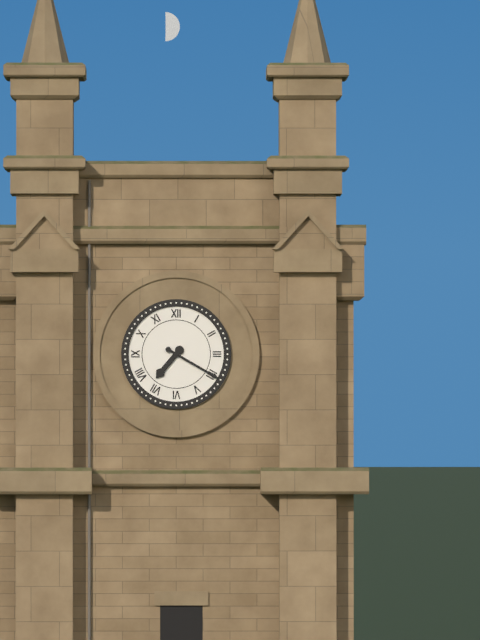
7:20
